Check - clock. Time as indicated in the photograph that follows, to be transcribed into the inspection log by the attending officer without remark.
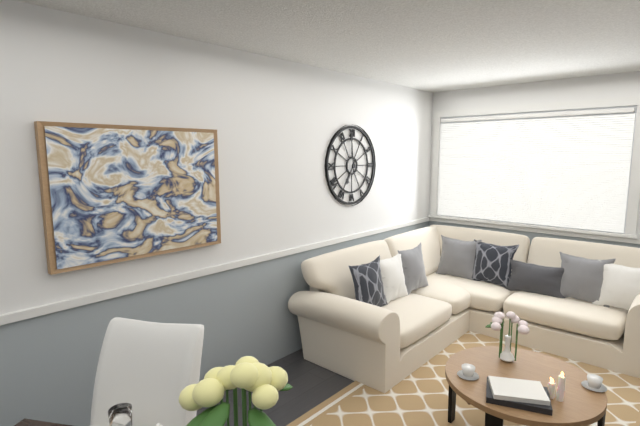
6:59
